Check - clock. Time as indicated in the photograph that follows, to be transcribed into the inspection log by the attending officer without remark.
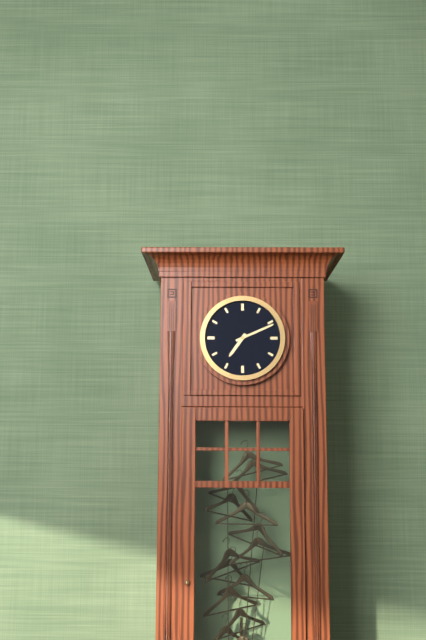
7:11
